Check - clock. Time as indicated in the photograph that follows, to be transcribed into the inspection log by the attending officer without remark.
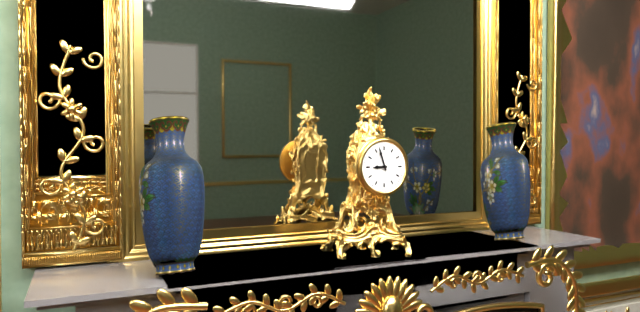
8:57
